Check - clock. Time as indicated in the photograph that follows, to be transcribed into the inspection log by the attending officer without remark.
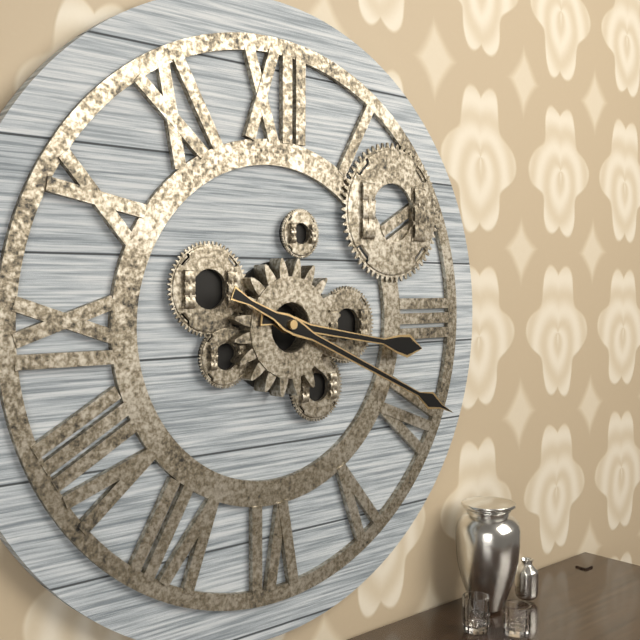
3:19
